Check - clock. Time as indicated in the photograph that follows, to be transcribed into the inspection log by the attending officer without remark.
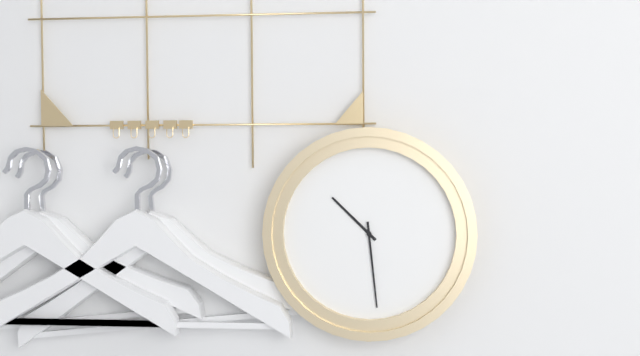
10:29
